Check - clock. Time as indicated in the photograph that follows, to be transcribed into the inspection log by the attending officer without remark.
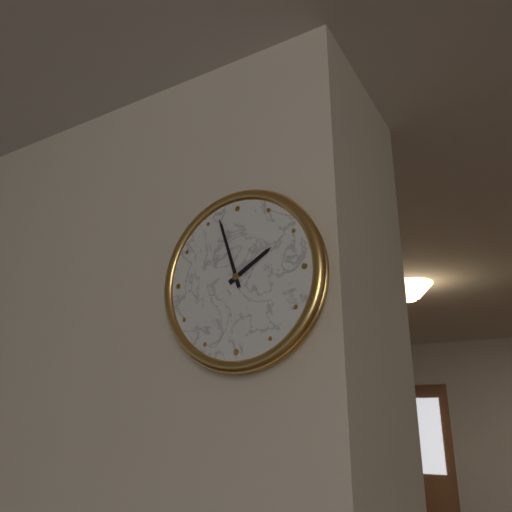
1:57
